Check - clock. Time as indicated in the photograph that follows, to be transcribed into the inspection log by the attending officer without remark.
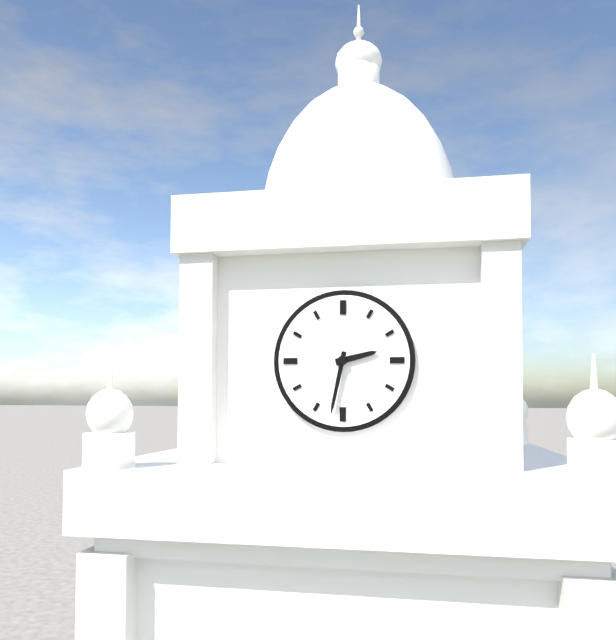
2:32
